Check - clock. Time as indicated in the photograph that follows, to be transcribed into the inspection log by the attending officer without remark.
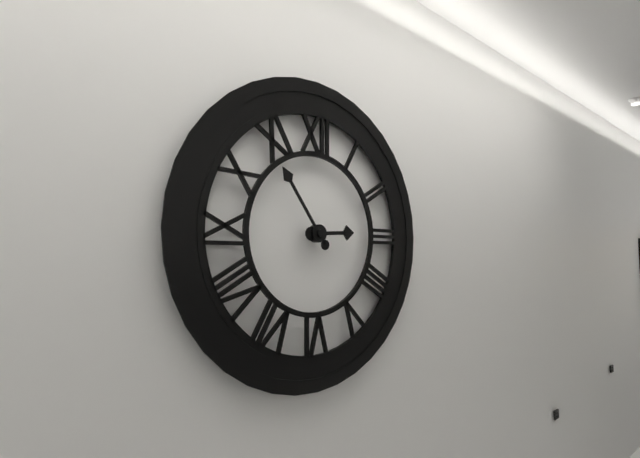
2:54
